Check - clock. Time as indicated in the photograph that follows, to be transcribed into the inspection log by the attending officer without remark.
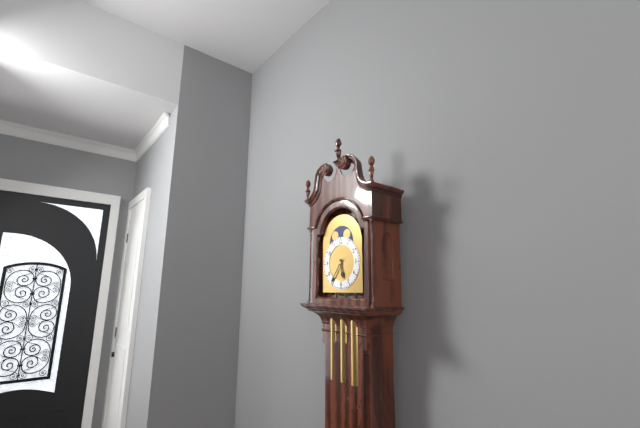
5:36
